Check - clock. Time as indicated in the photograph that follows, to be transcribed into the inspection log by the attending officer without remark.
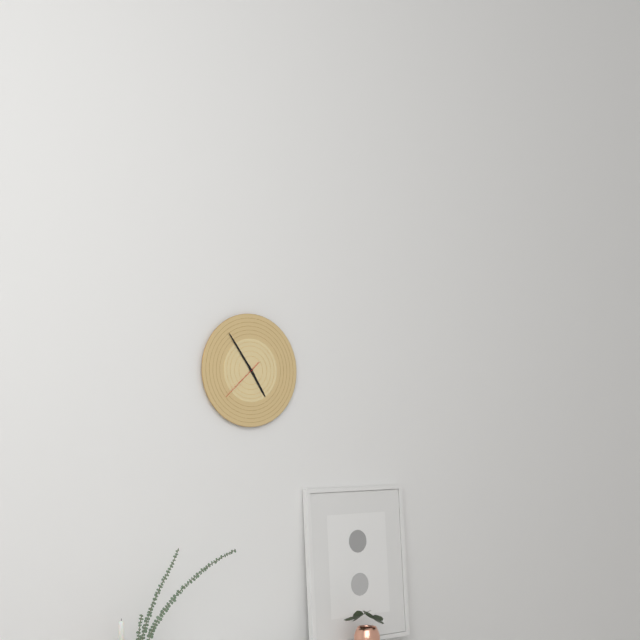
4:54
